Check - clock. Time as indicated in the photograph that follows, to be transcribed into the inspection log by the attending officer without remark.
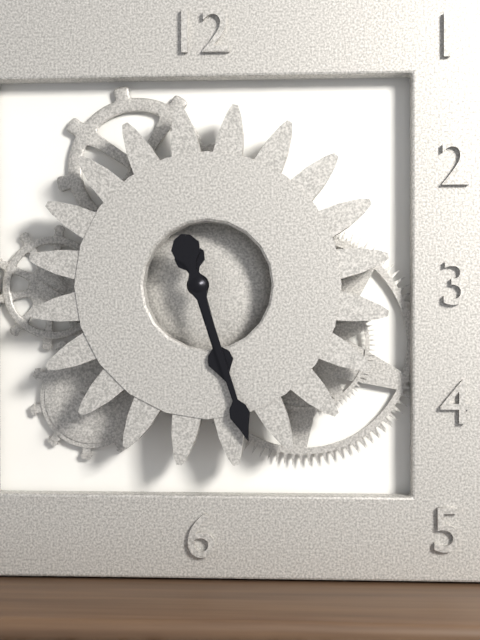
5:27
